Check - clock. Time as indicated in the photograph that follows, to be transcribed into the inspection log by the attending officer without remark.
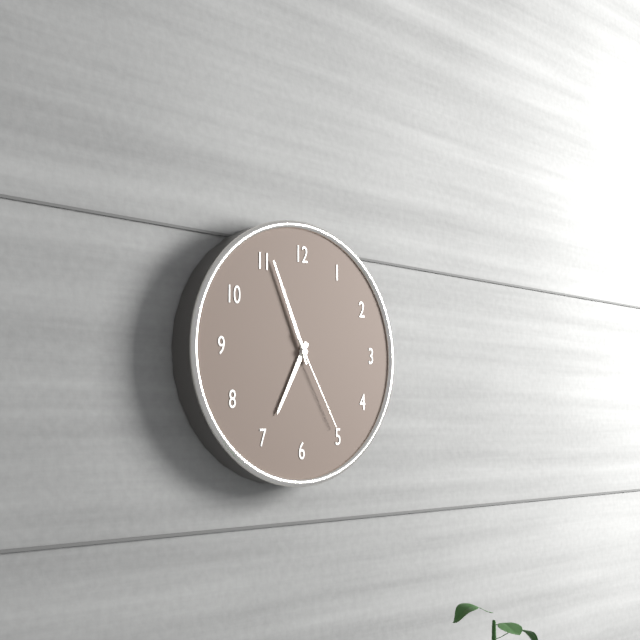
6:56:25
